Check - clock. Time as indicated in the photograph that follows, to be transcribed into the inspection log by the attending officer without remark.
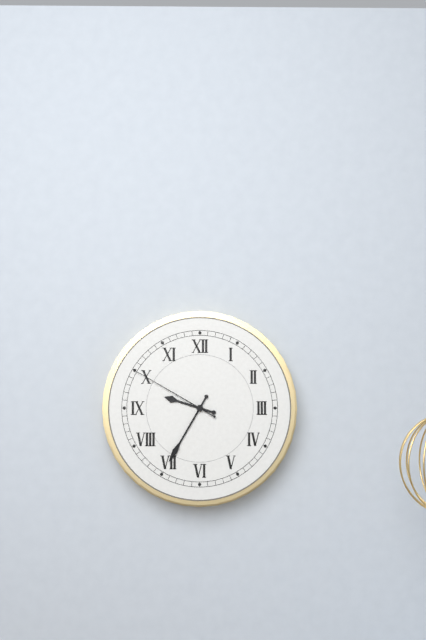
9:35:50
